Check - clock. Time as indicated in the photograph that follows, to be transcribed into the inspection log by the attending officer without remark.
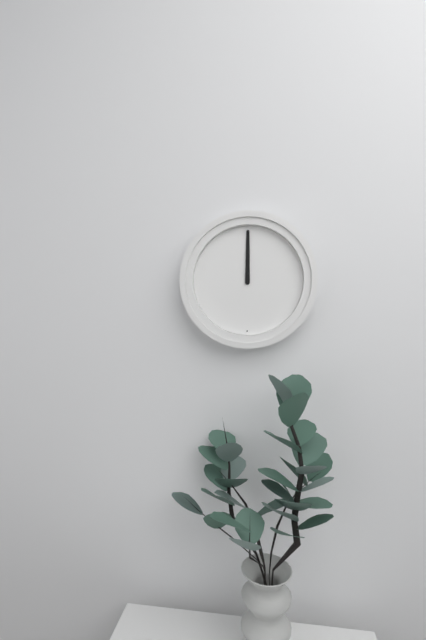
12:00
